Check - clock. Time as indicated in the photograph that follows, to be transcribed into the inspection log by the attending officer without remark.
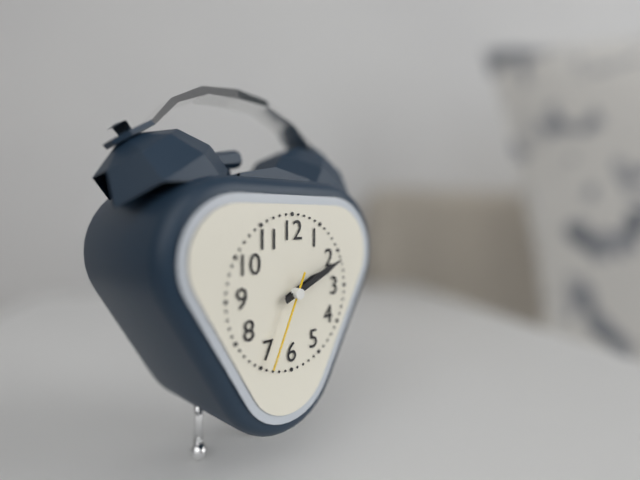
2:11:34
